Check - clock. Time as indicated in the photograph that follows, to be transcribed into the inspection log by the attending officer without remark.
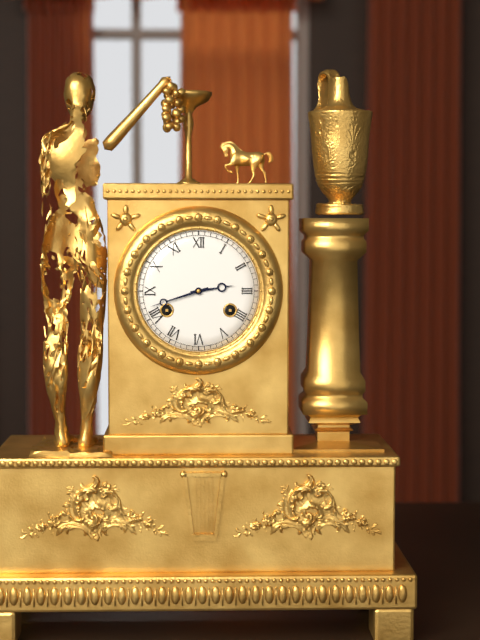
2:42
